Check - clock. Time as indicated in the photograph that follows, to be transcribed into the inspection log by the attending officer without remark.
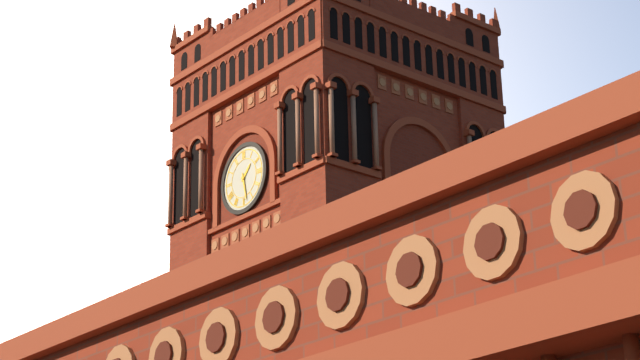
1:28
